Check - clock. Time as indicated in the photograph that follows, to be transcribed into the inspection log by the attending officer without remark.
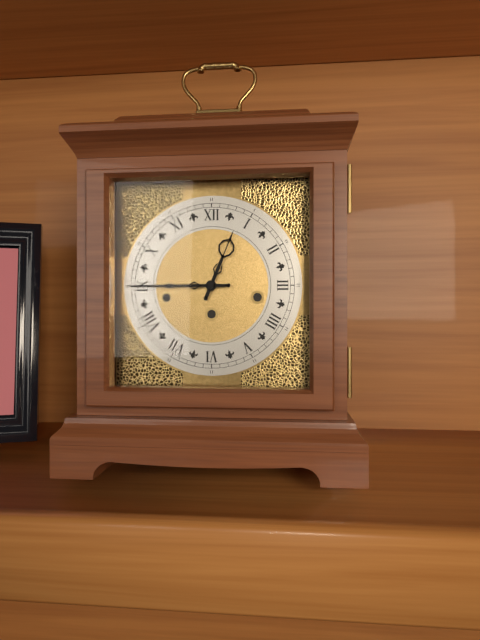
12:45
